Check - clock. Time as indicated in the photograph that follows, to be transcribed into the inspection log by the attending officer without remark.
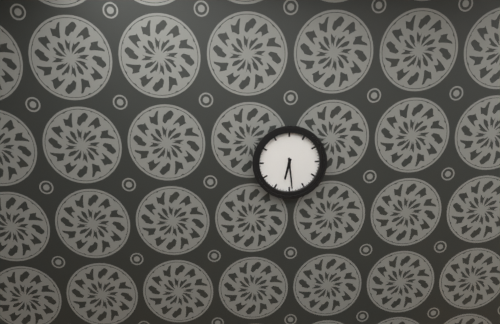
6:29
